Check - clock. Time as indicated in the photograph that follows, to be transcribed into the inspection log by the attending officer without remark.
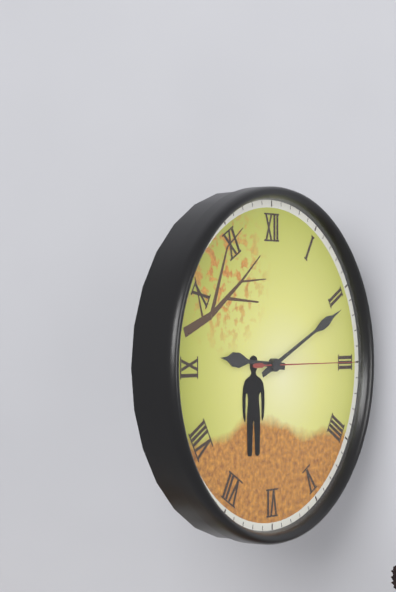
9:11:15
